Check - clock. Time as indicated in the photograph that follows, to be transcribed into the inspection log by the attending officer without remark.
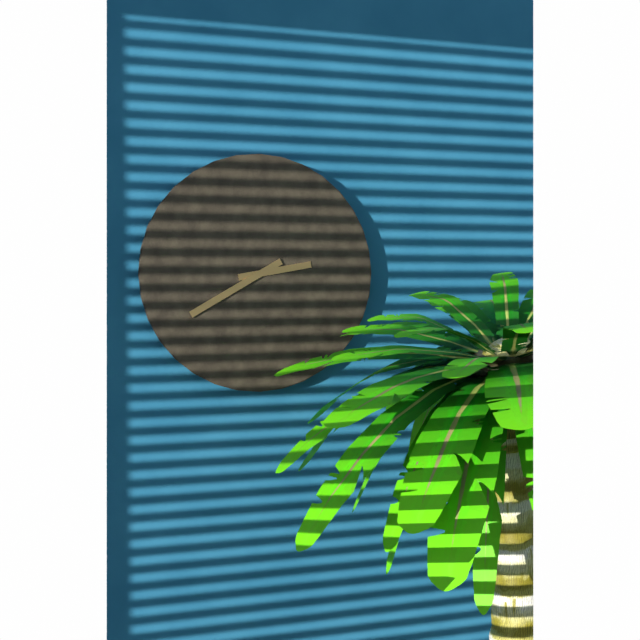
2:40
